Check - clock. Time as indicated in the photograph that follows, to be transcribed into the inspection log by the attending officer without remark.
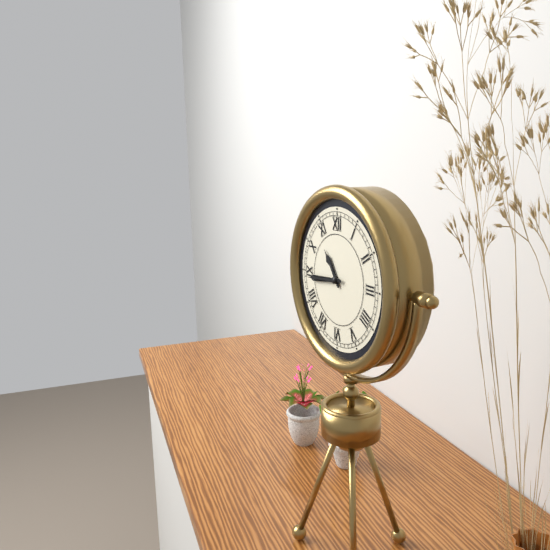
10:44
